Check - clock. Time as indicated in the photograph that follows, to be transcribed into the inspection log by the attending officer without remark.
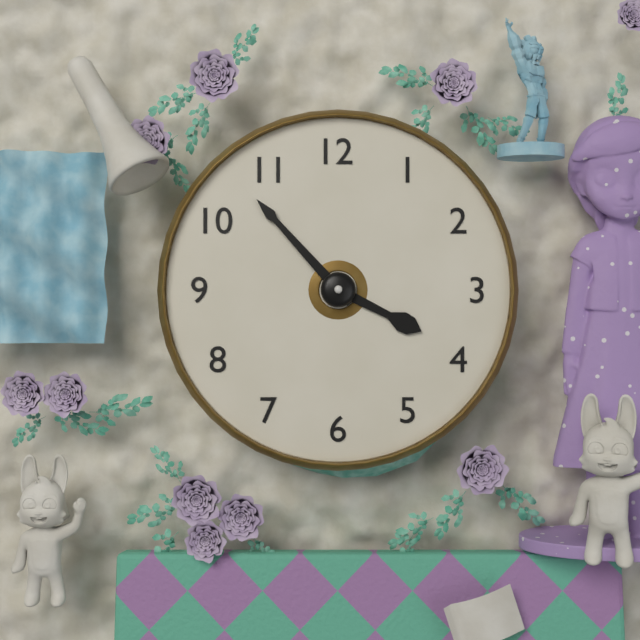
3:53
